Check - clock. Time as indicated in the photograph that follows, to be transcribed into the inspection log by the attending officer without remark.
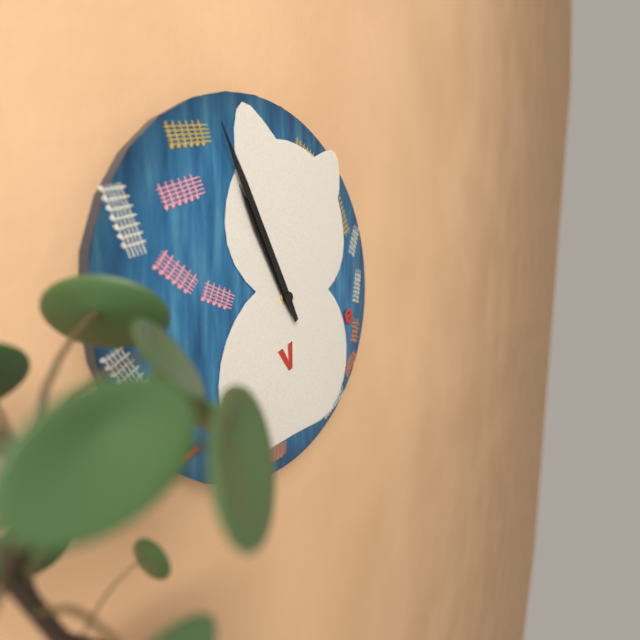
10:55
